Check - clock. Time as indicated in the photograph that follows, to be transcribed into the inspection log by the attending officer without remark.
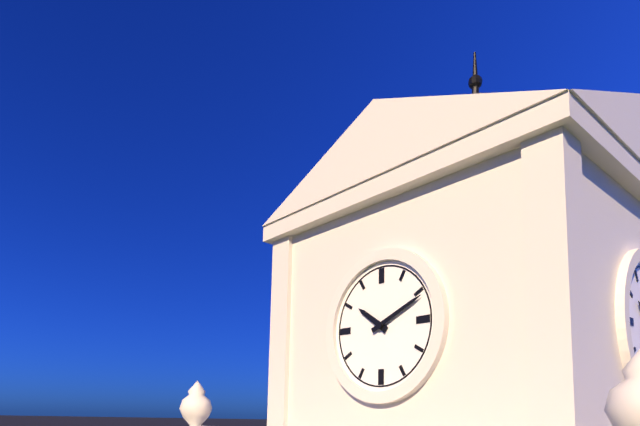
10:11
